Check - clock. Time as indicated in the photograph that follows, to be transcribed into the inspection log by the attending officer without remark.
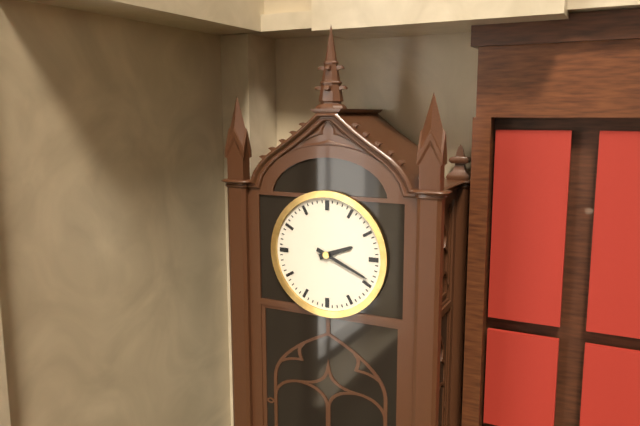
2:19
